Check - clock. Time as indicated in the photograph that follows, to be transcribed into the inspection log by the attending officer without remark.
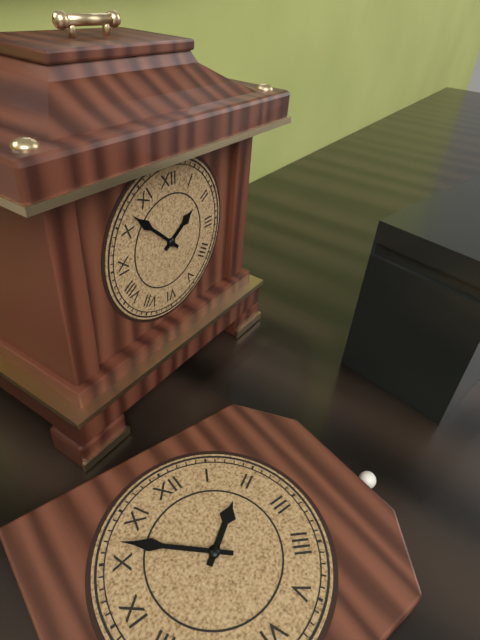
1:52
